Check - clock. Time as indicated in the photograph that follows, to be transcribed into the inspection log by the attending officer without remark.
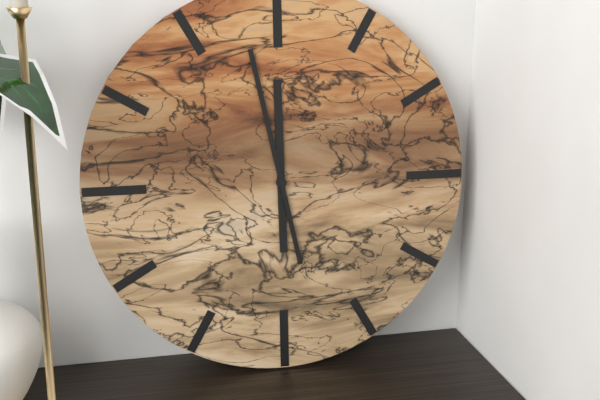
11:58
